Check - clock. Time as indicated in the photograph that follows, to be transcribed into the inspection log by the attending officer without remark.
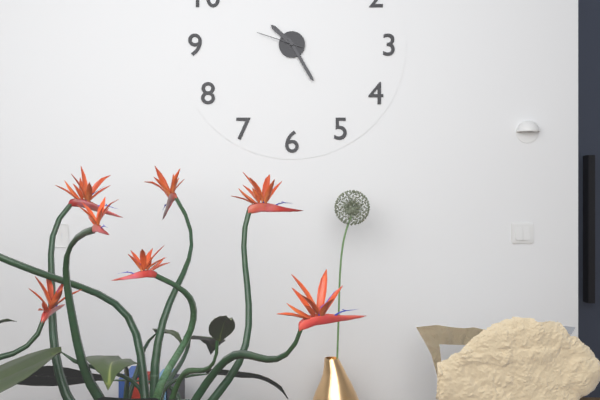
10:25
